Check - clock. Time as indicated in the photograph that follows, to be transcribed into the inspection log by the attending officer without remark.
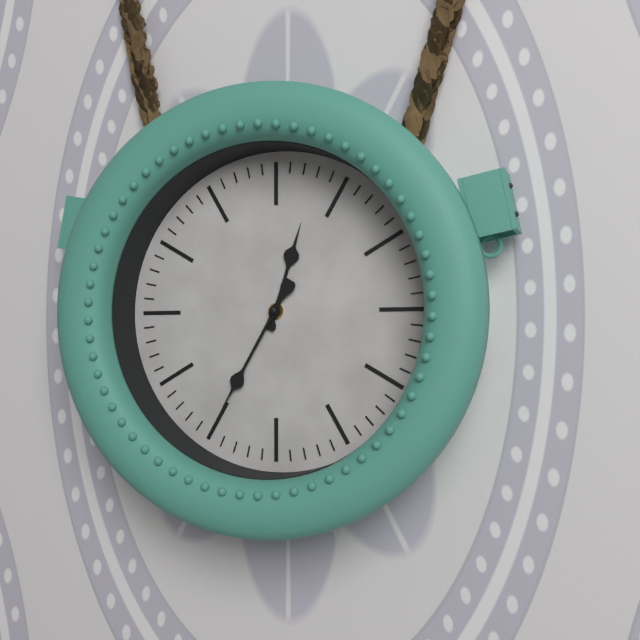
12:35
